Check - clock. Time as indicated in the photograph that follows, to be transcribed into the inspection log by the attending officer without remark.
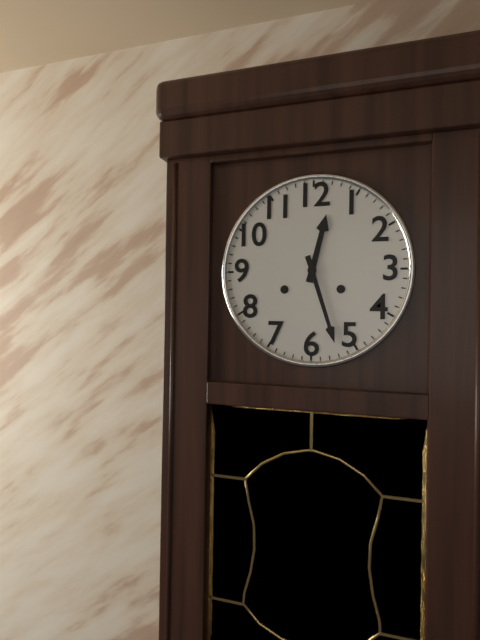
12:27
